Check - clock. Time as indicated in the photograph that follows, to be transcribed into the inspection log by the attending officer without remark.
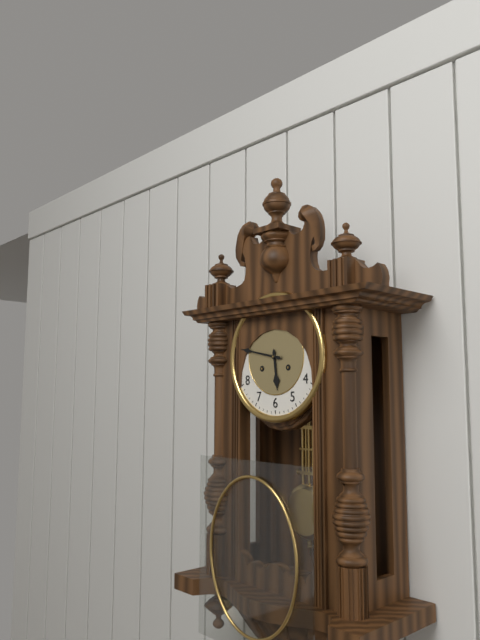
5:47
